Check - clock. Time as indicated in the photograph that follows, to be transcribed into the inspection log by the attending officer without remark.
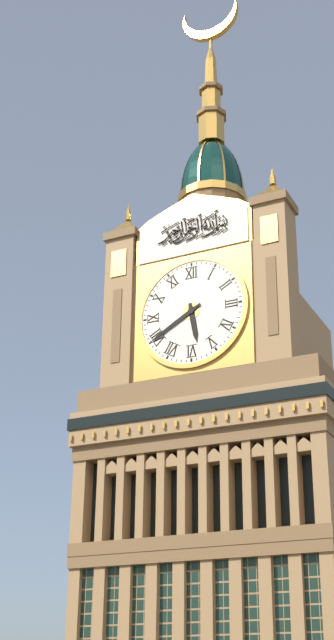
5:40
